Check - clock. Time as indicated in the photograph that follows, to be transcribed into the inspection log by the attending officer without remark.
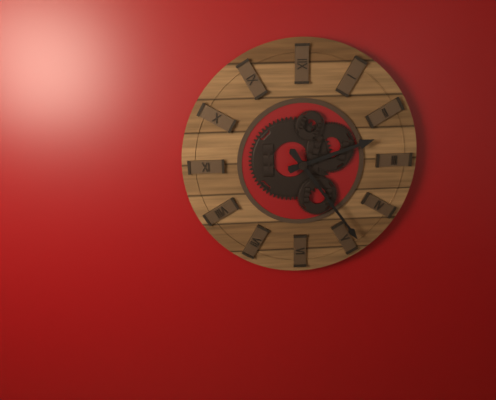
2:24
